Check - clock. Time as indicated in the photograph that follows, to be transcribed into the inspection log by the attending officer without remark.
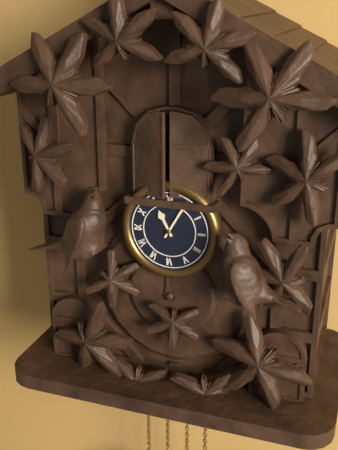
11:05
